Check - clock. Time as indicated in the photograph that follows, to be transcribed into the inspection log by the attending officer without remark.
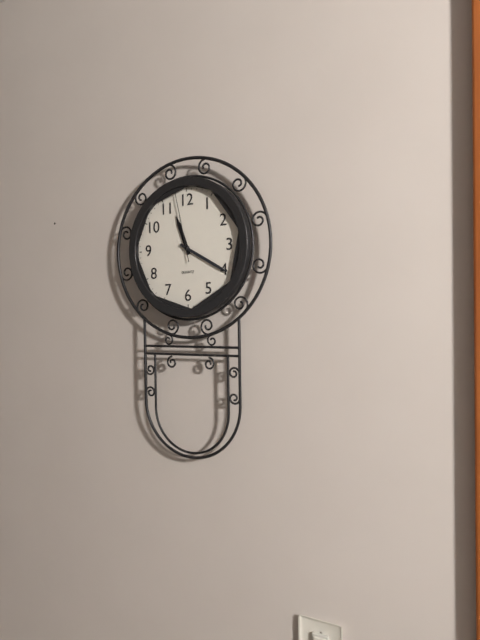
11:20:58
